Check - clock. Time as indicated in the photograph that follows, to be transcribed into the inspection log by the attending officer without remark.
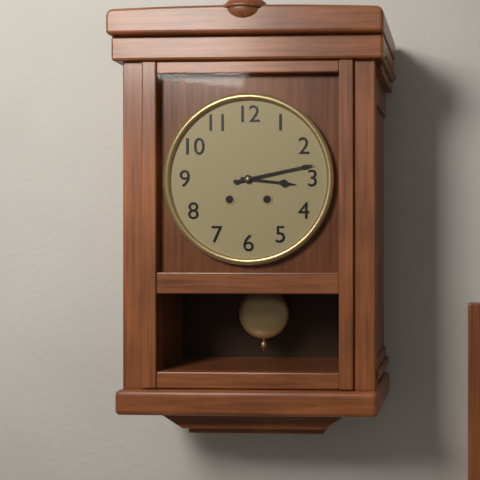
3:13
